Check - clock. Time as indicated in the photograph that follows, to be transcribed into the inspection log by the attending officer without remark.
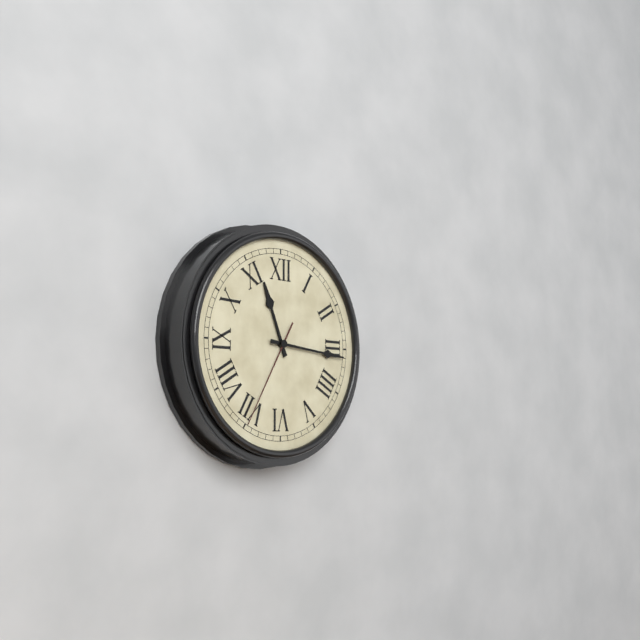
11:16:35
